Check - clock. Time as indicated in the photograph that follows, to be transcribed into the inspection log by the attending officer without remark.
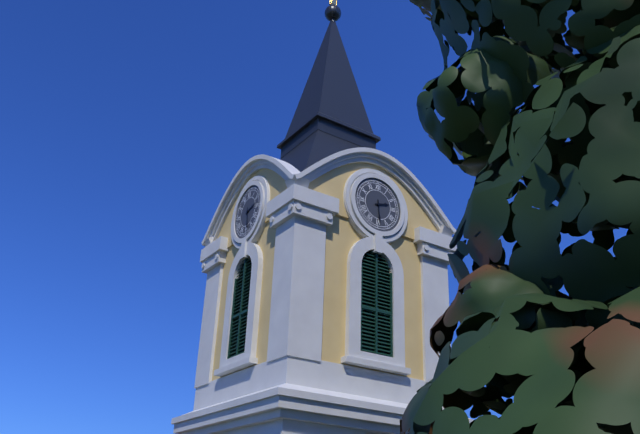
2:29
